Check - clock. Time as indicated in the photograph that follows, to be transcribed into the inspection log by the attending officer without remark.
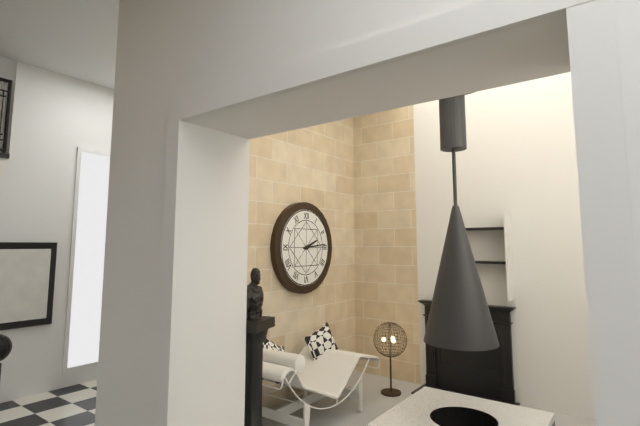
2:14
